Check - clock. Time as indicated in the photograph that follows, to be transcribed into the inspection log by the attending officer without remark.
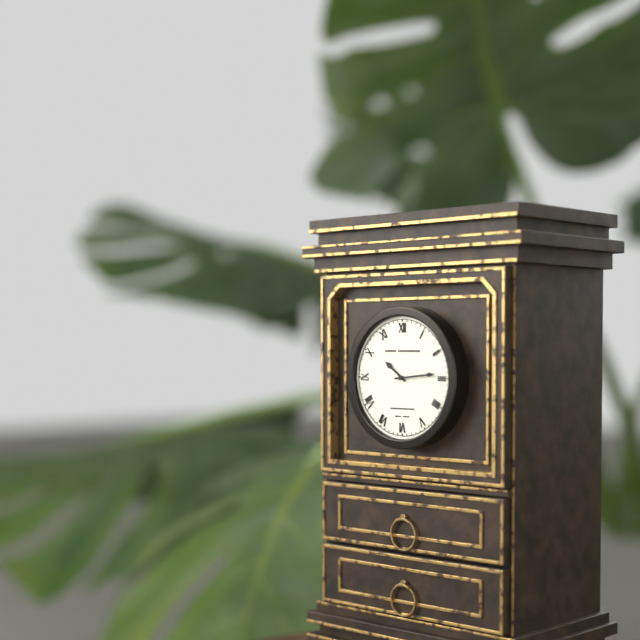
10:14
